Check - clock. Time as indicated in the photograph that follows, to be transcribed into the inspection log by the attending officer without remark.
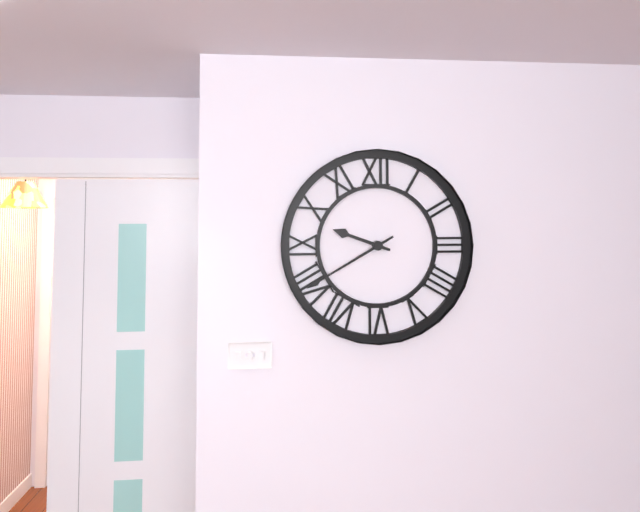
9:40
